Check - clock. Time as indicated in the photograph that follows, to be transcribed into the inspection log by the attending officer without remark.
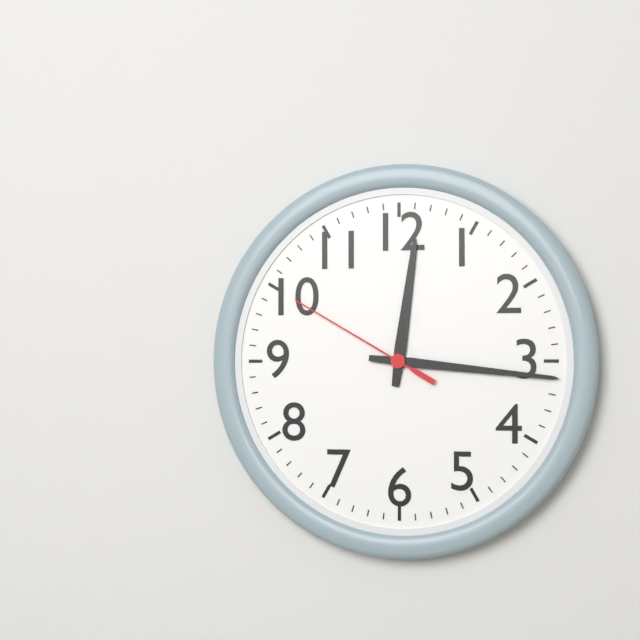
12:16:50
